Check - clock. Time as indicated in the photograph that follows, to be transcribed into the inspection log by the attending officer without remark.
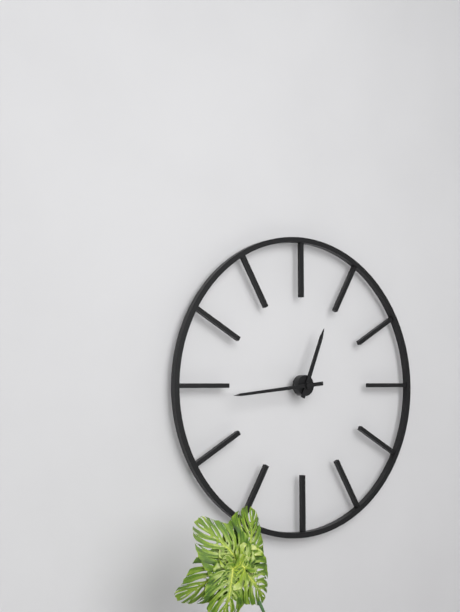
12:44
